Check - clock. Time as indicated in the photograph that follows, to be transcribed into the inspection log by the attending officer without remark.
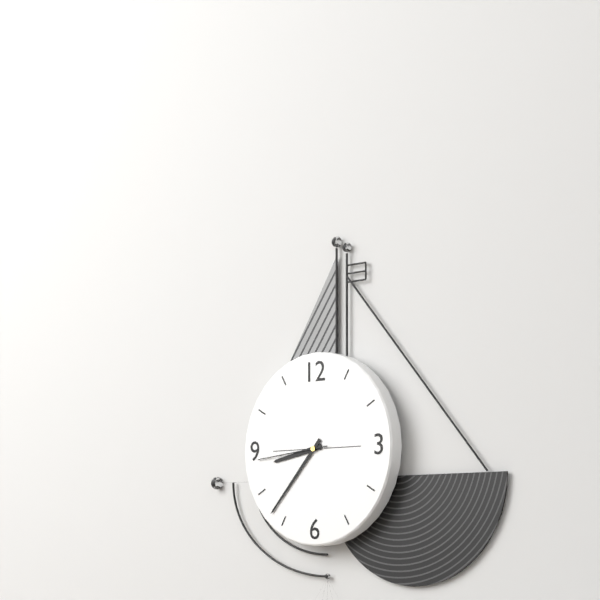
8:37:44
